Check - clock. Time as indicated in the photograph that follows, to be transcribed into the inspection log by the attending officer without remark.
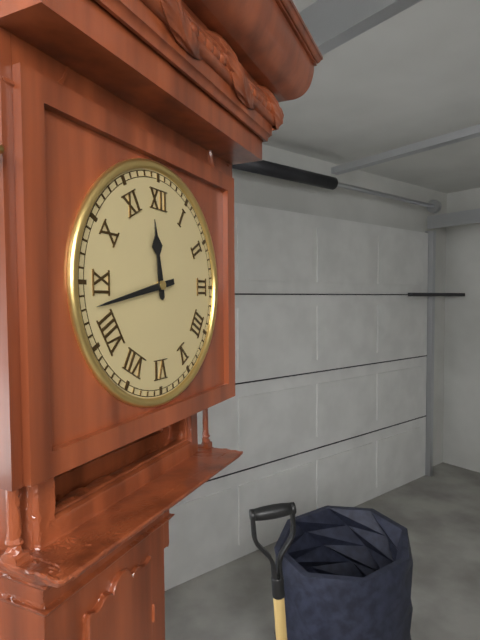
11:43
